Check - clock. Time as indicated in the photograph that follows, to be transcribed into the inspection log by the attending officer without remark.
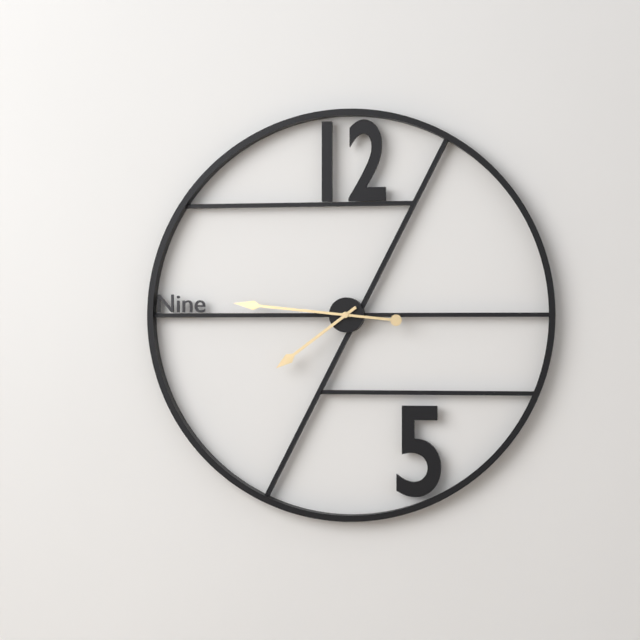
7:46
